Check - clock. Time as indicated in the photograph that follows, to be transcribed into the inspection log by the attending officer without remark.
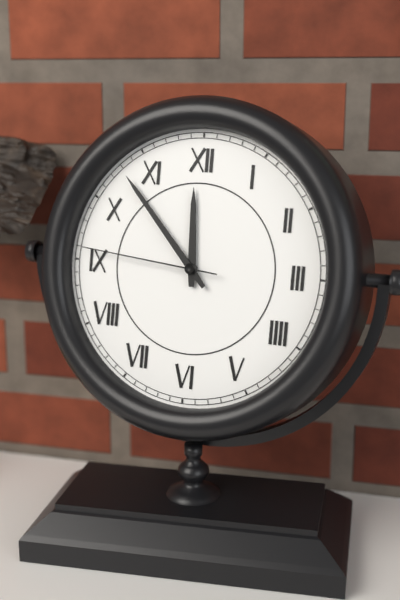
11:53:46
